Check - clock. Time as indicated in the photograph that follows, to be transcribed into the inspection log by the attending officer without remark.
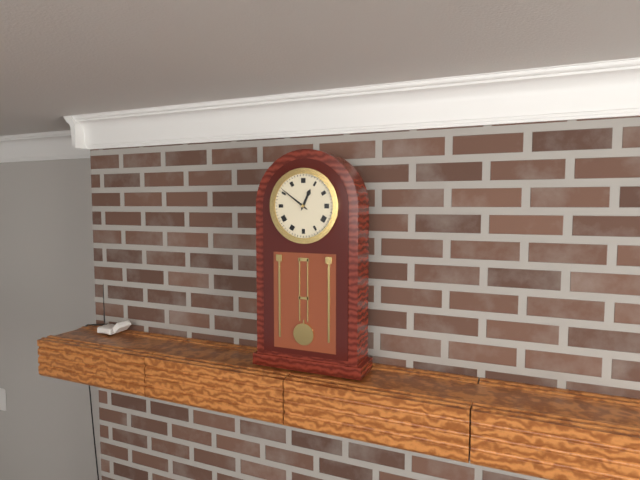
12:51
